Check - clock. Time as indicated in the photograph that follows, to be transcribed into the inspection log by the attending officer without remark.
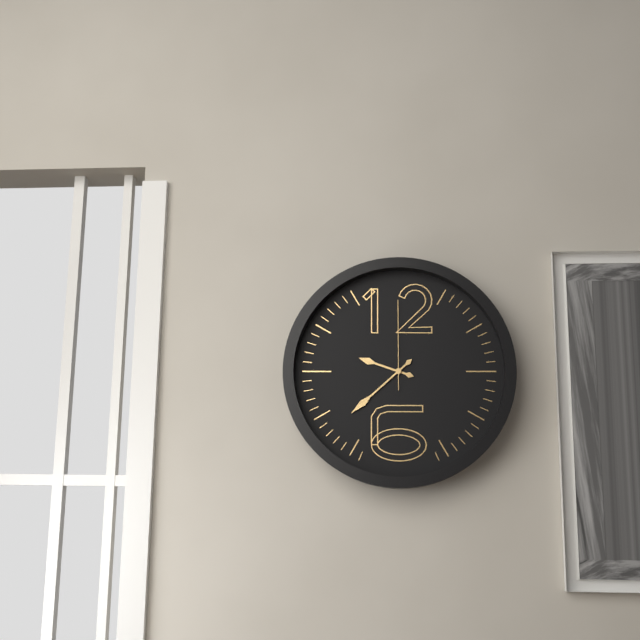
9:38:00
